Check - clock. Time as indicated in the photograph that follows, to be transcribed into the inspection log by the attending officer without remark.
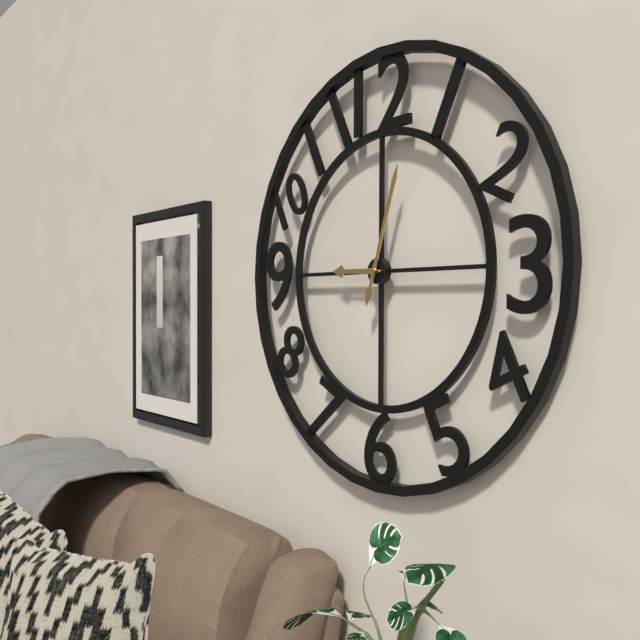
9:03
